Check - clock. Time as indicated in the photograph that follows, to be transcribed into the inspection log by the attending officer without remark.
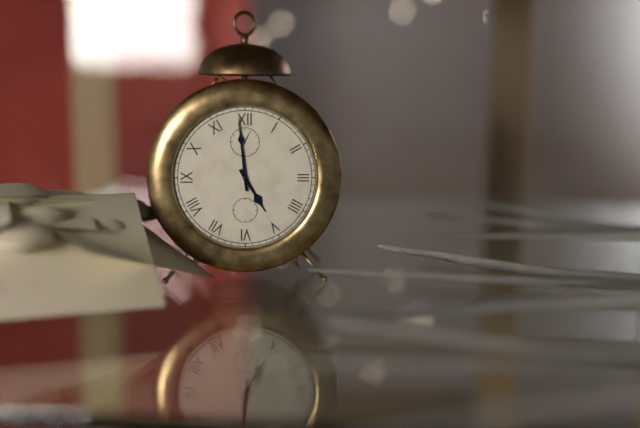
4:59
